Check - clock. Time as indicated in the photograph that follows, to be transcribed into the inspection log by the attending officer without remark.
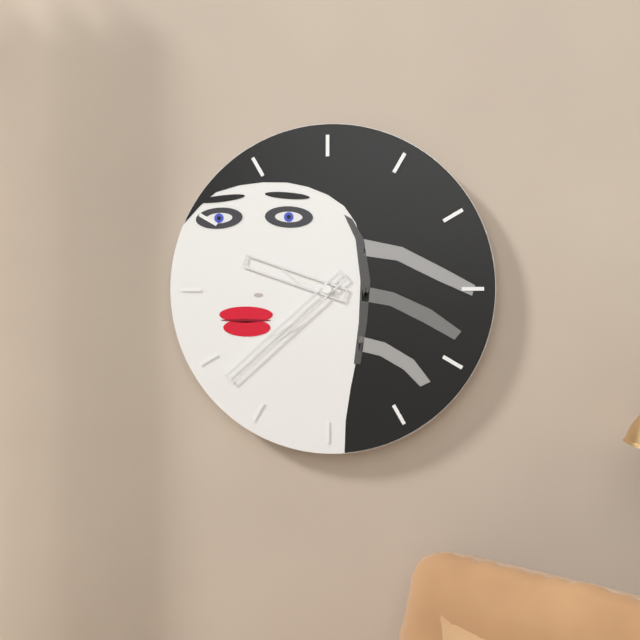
9:38
